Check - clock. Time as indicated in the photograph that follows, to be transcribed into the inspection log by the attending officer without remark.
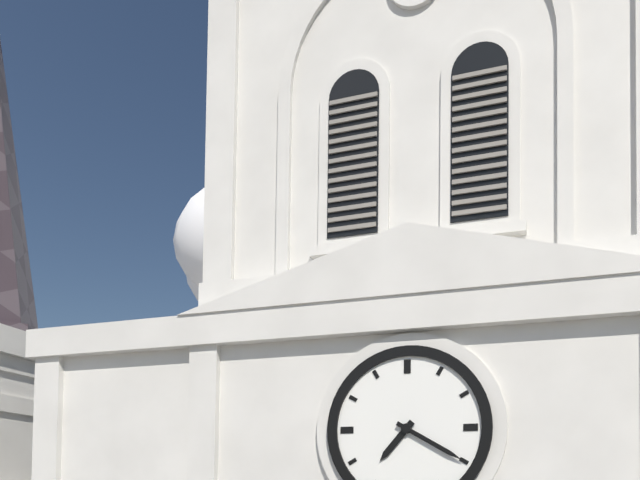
7:20
